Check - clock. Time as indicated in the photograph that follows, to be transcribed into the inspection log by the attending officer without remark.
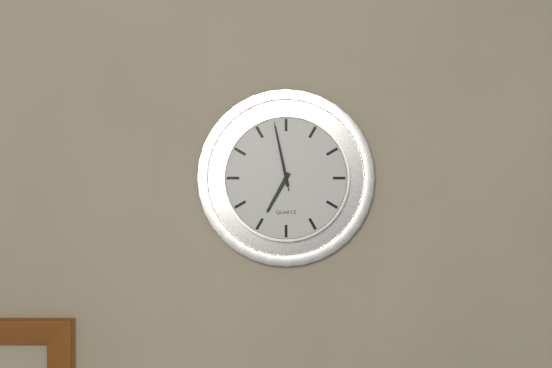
6:58:58
